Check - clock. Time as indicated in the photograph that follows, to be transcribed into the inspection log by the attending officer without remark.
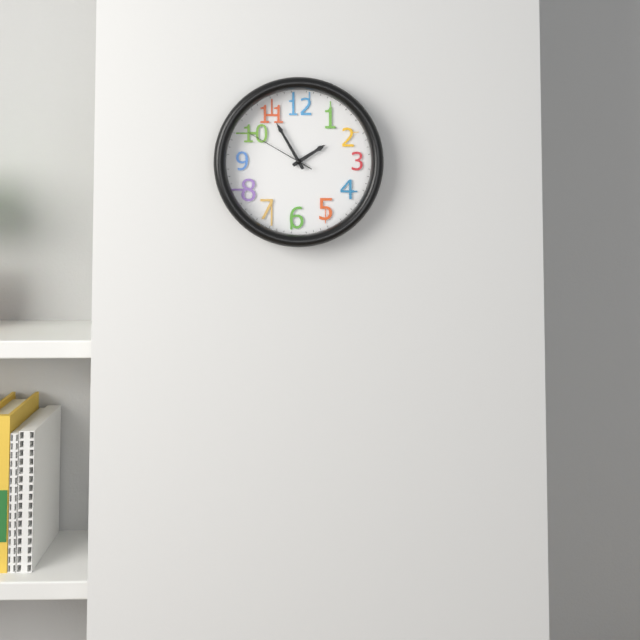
1:55:50
